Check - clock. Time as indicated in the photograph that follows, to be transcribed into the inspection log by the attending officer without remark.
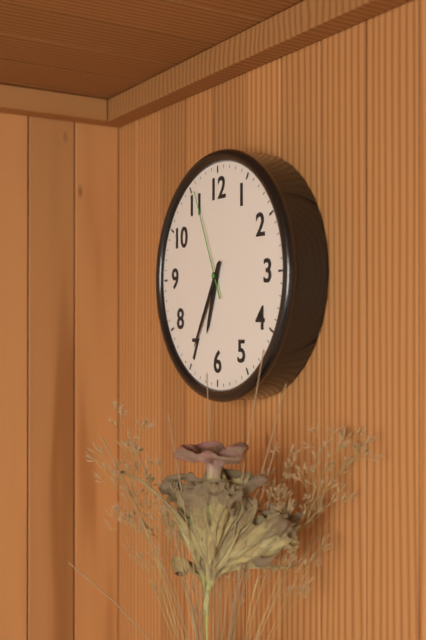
6:35:56
